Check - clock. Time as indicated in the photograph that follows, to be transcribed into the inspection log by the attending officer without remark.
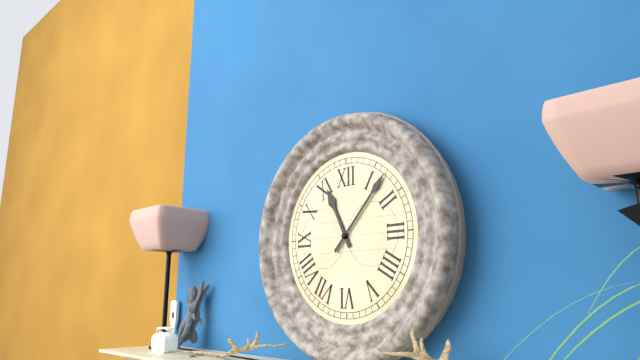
11:07
